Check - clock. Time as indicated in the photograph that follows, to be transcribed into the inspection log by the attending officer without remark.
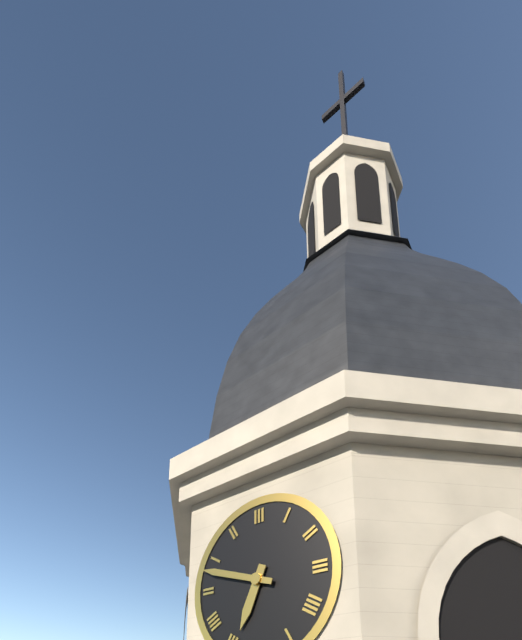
6:48
